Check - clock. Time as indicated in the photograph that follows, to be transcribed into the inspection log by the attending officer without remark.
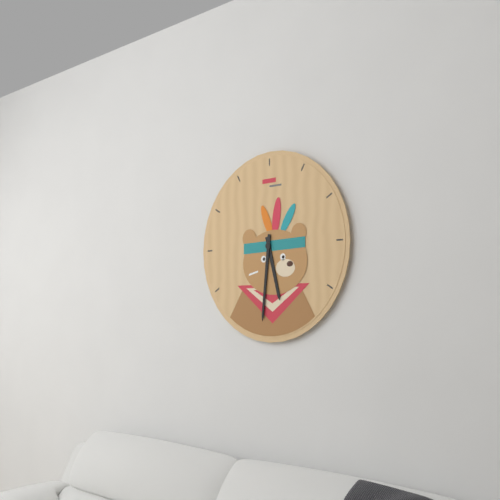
5:31
